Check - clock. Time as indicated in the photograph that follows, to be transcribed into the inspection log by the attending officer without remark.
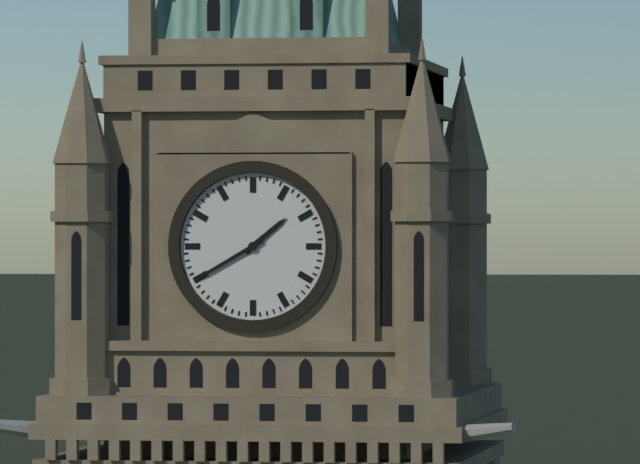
1:40
